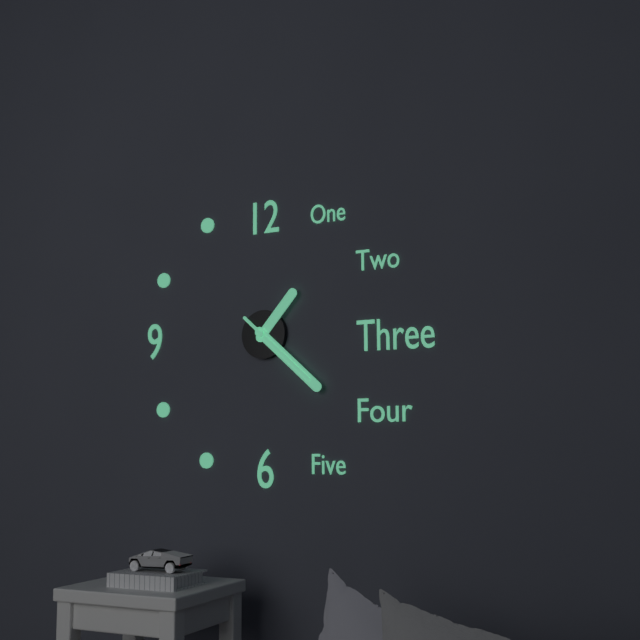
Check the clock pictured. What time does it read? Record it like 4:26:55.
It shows 1:22:22
